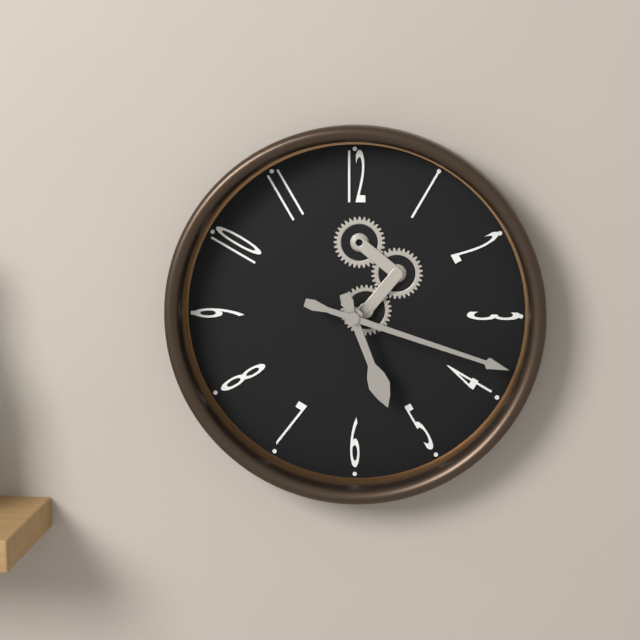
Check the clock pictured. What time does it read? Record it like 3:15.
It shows 5:18
